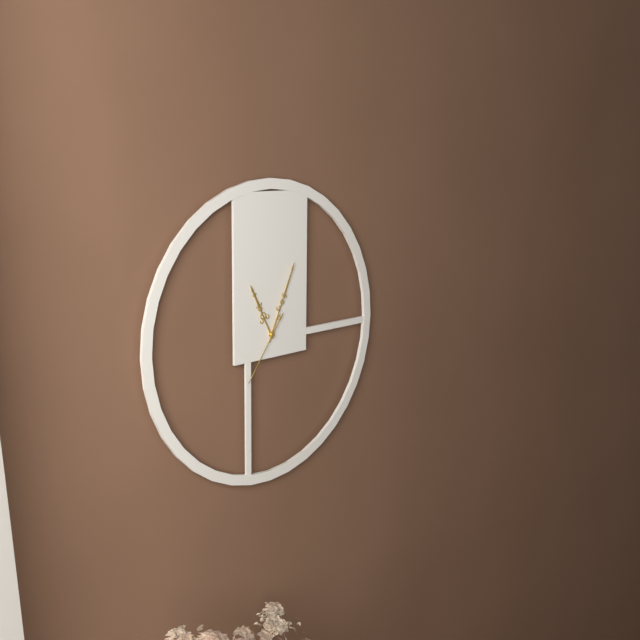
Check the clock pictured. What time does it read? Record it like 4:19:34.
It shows 11:04:36
